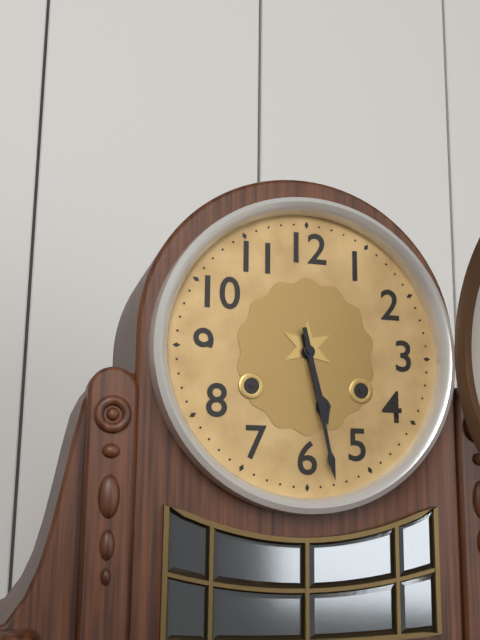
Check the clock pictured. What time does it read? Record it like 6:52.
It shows 5:28
